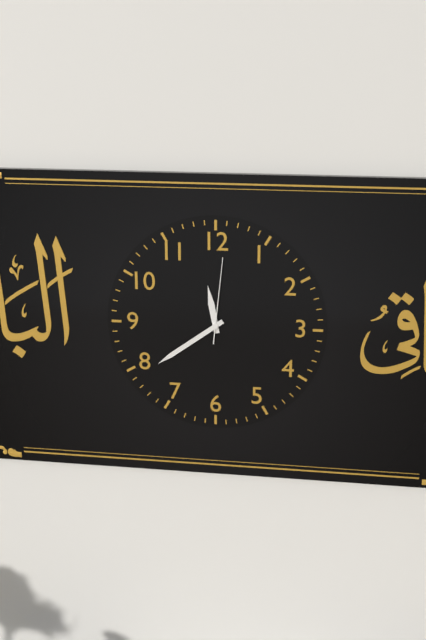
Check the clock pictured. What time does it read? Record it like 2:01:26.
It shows 11:39:01
